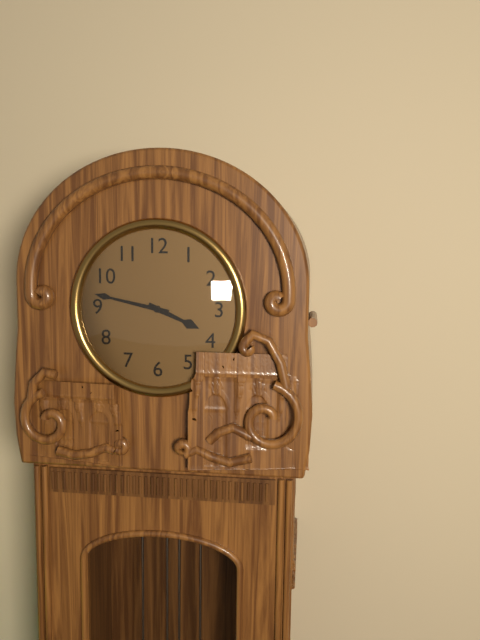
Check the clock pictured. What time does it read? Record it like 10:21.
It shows 3:47
